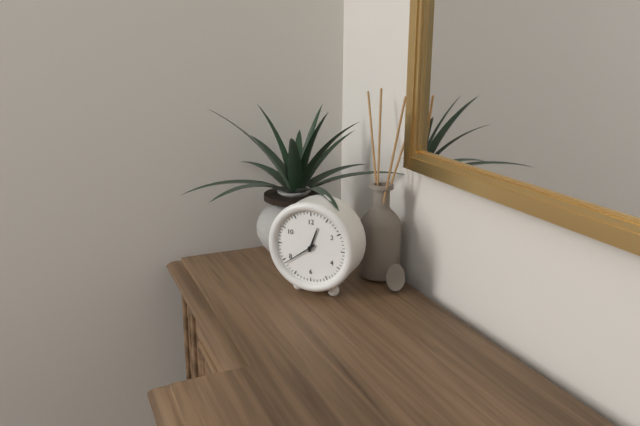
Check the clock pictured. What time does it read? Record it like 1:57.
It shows 12:39
